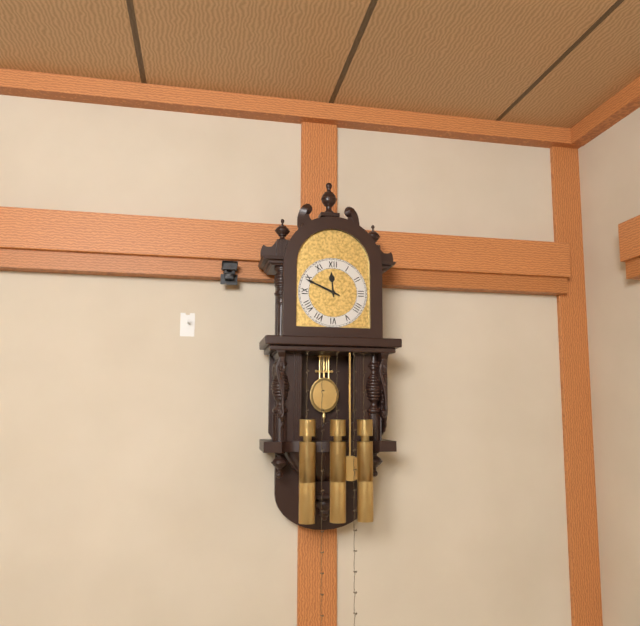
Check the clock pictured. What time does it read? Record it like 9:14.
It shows 11:49
